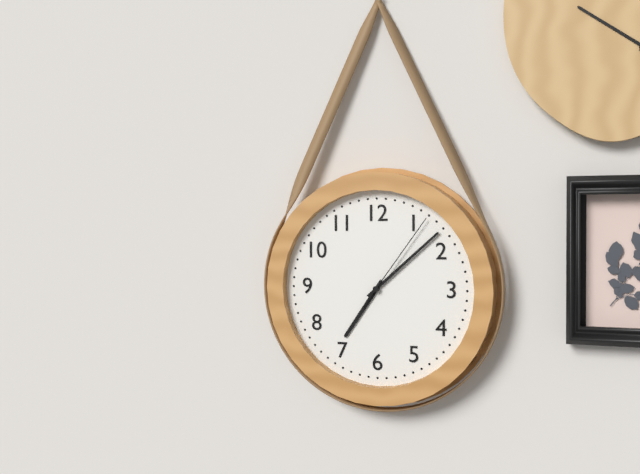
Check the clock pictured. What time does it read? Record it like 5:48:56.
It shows 7:08:06
